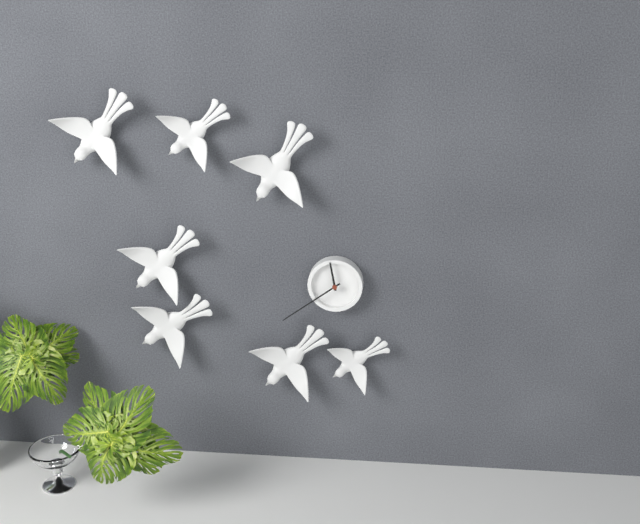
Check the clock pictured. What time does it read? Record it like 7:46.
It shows 11:39
